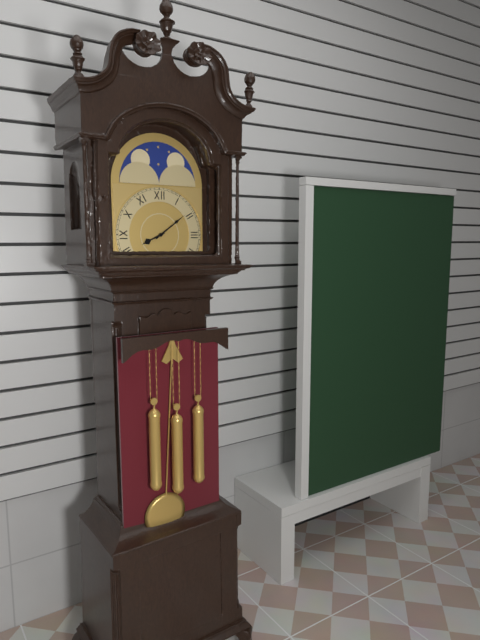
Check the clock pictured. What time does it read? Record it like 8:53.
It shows 8:09
